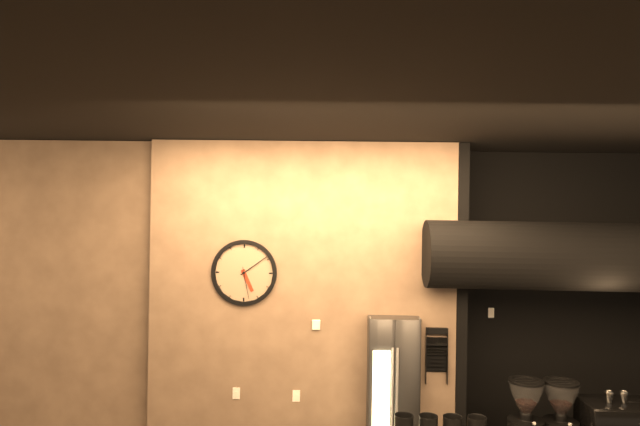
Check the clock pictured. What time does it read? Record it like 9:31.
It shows 5:09
